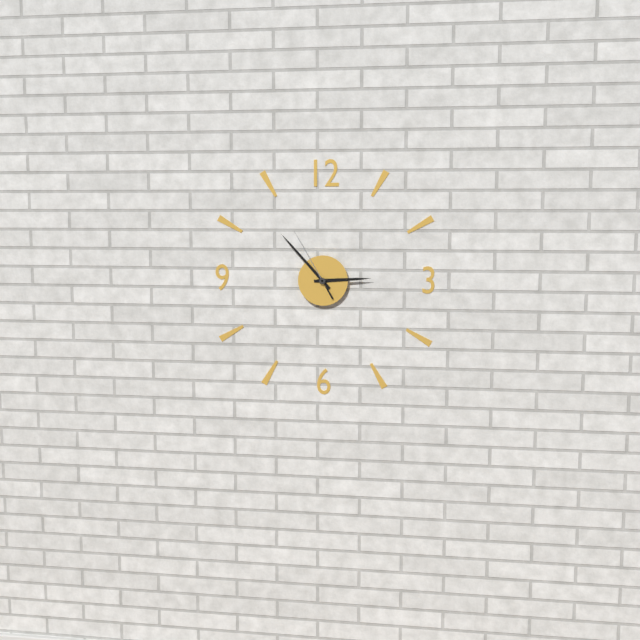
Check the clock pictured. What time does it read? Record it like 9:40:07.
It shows 2:53:55
